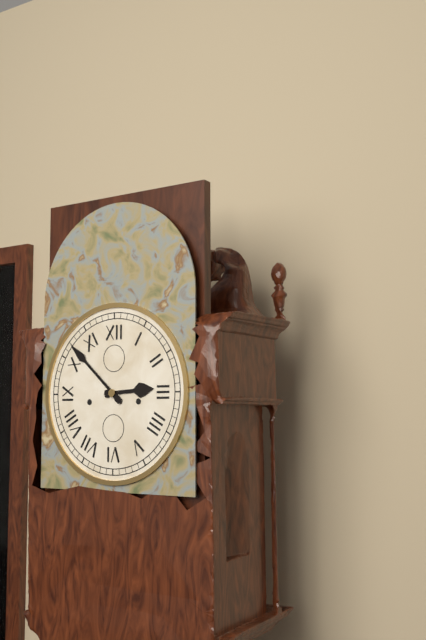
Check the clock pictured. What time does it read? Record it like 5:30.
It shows 2:52
